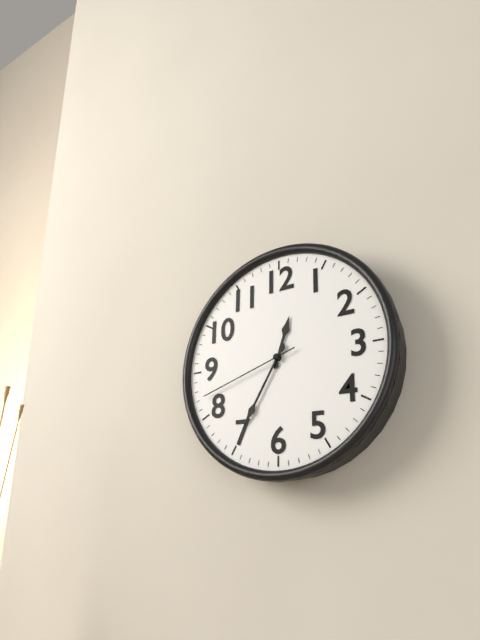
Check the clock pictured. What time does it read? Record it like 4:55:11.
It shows 12:35:42
